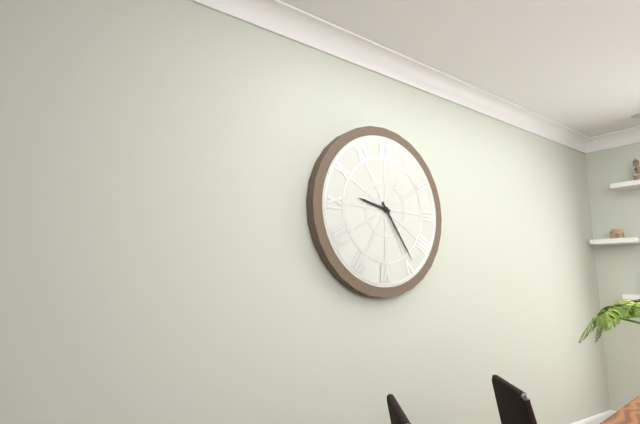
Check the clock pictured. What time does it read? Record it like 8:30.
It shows 9:24
